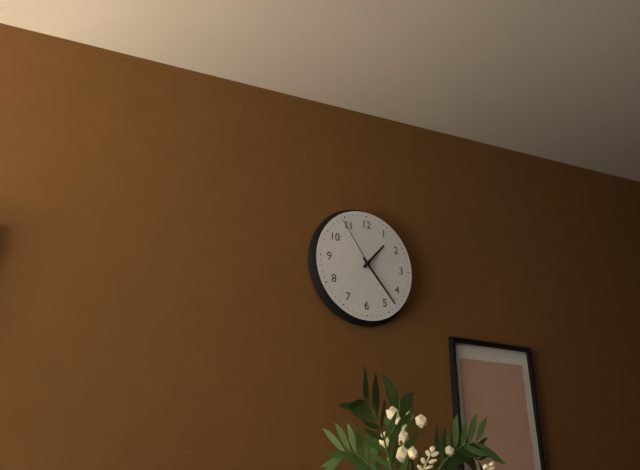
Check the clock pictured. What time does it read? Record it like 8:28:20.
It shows 1:23:54
